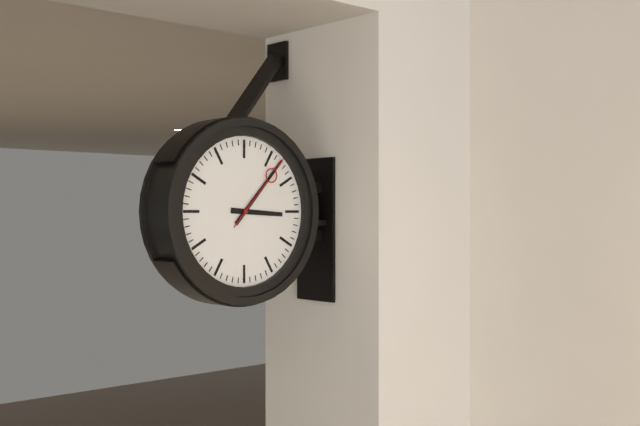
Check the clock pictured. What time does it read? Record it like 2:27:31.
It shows 3:07:07
